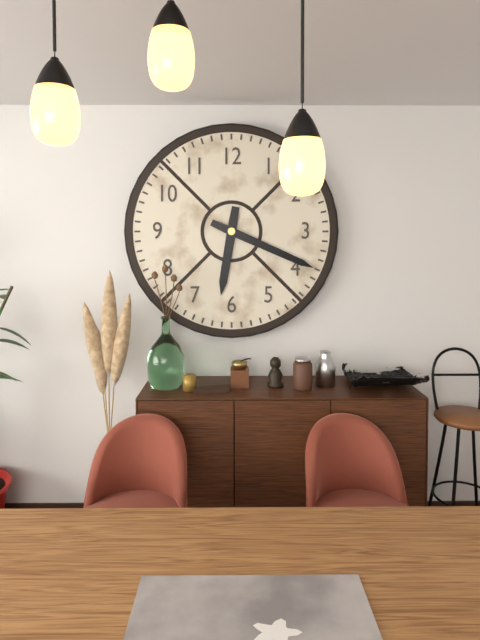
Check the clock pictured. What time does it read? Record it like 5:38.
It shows 6:19
